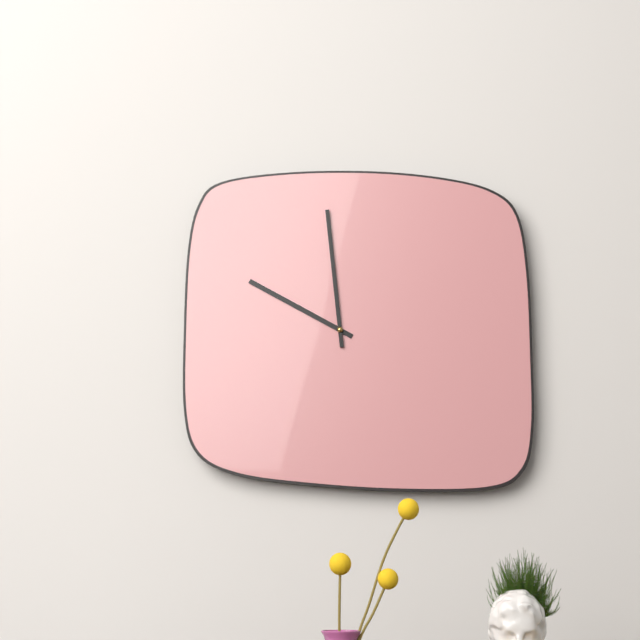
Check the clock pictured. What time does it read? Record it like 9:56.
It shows 9:59
